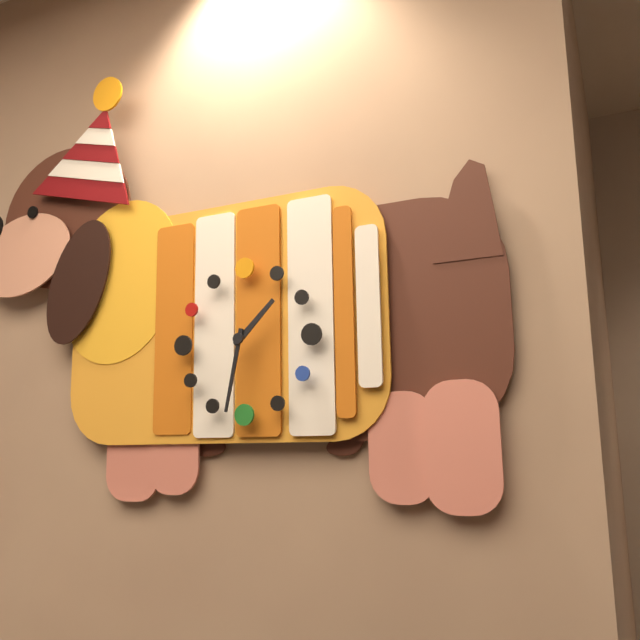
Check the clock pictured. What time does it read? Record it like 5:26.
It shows 1:32
